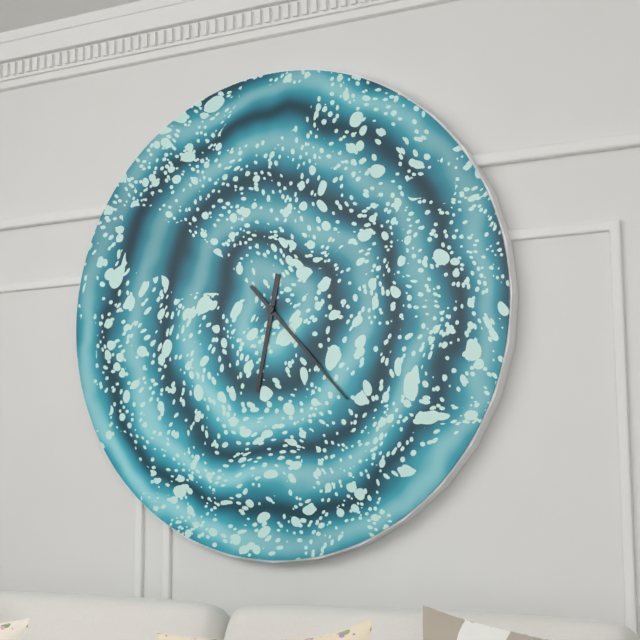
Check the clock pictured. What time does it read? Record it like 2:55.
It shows 6:23
